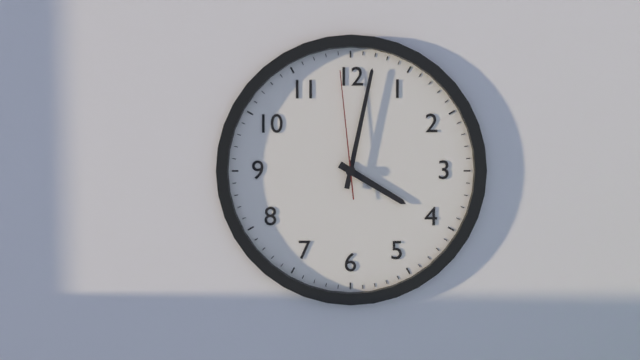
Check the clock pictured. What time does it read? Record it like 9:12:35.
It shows 4:02:59
